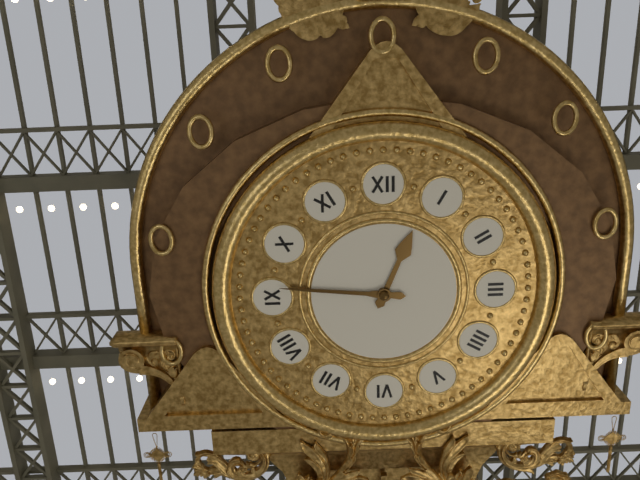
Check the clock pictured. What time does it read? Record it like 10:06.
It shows 12:46
